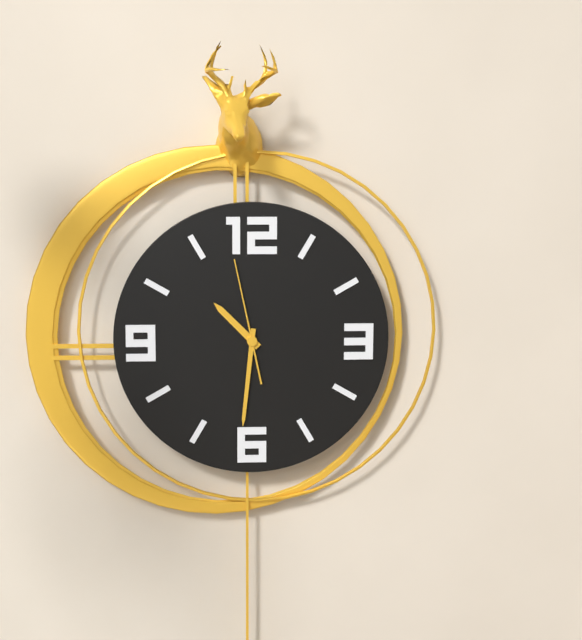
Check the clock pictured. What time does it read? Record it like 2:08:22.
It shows 10:31:58
